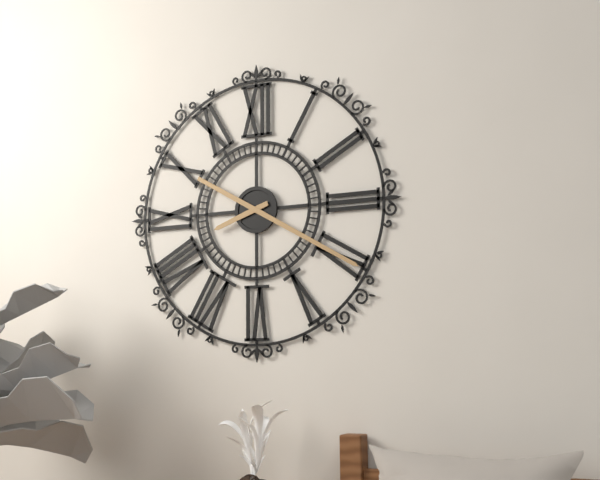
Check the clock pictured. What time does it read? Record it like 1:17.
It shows 8:20
